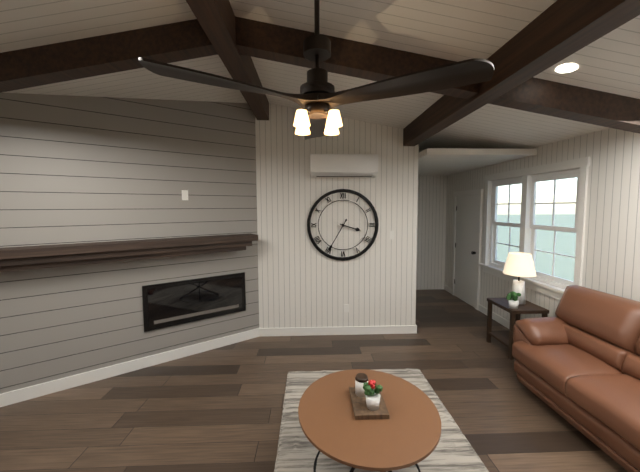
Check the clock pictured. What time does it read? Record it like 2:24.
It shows 3:35
